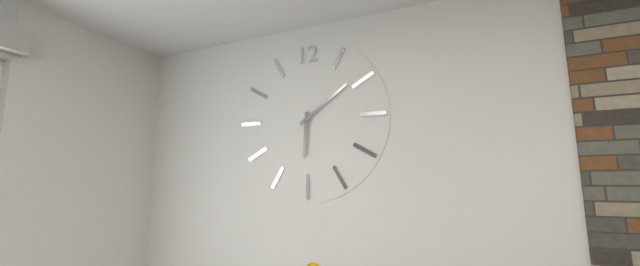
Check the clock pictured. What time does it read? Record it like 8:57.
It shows 6:09
